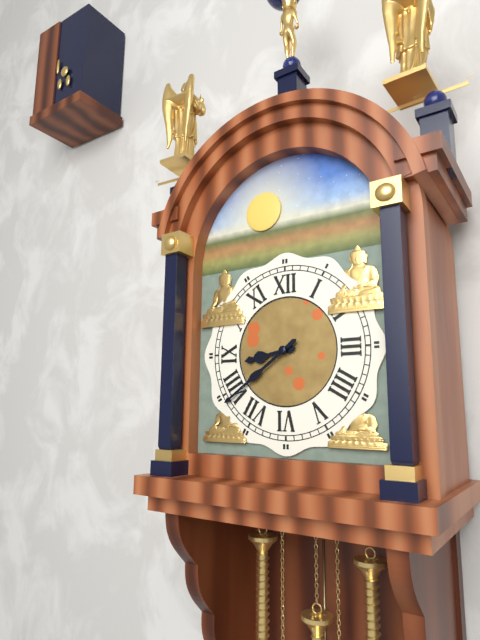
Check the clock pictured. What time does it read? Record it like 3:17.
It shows 8:39
